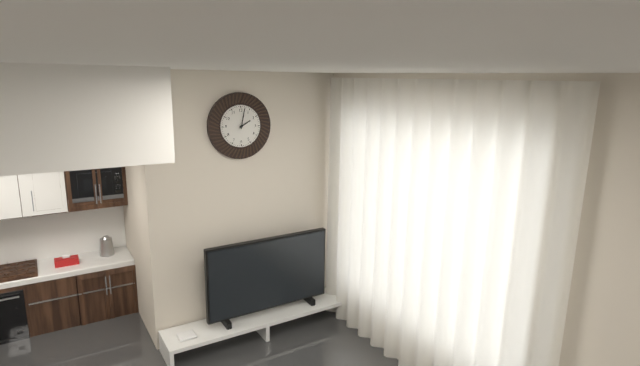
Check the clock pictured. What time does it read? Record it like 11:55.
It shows 2:02
